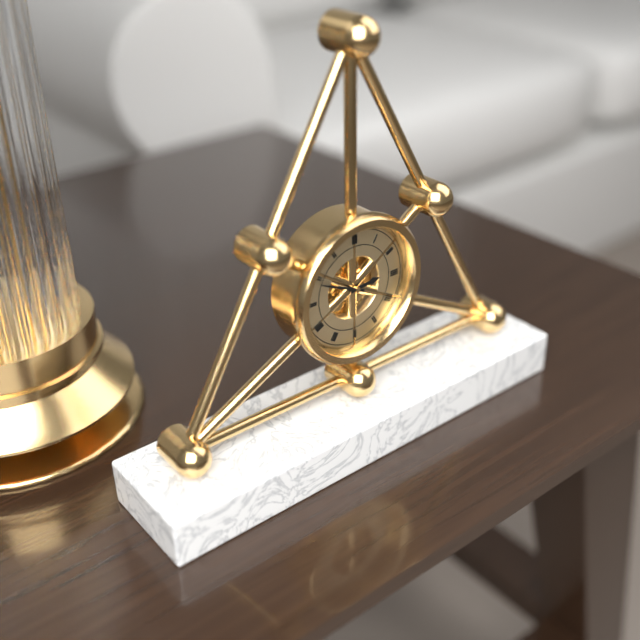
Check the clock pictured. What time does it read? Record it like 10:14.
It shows 2:49
